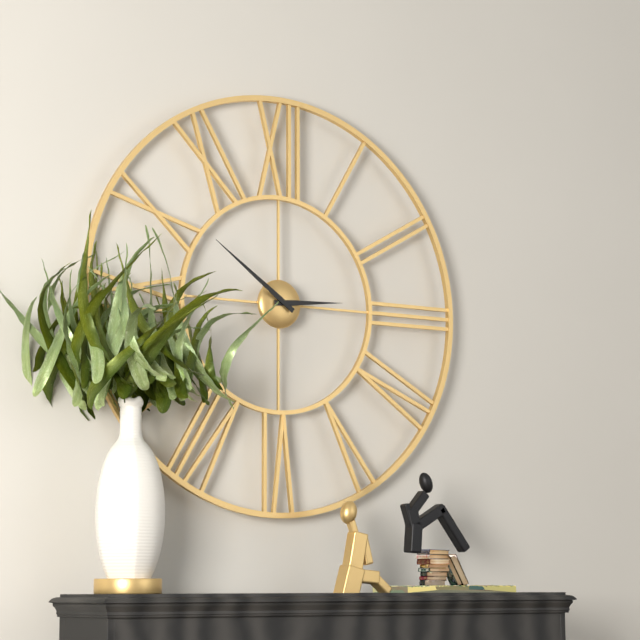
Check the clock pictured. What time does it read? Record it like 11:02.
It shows 2:51
